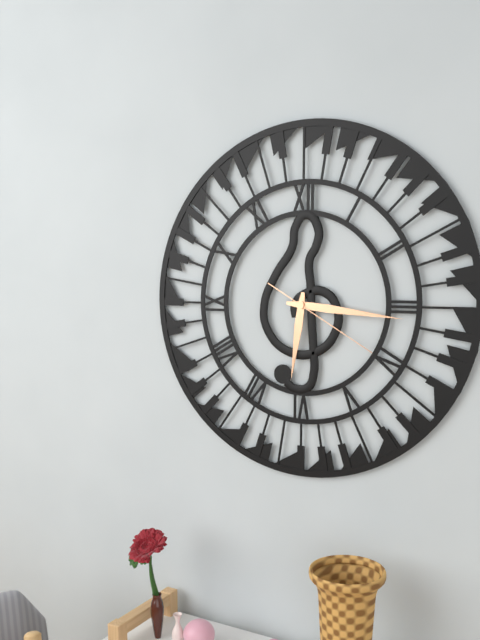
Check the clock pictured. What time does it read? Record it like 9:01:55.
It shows 6:16:20
